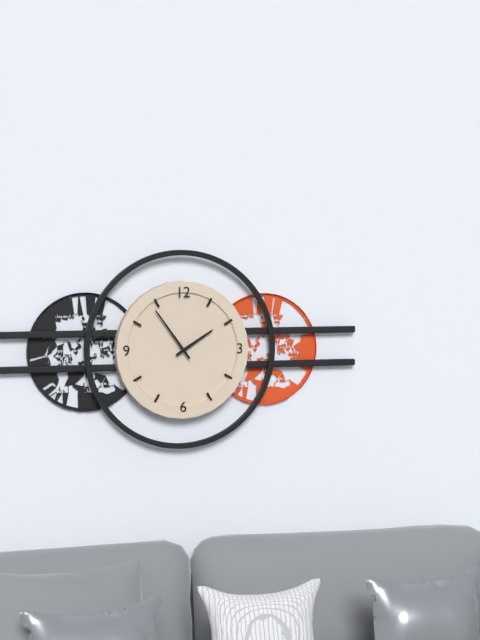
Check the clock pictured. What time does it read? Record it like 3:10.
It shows 1:54
